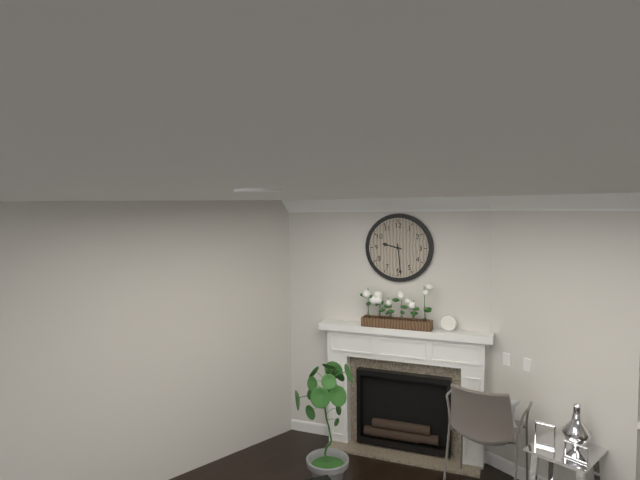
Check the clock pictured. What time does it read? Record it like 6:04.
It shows 9:29
